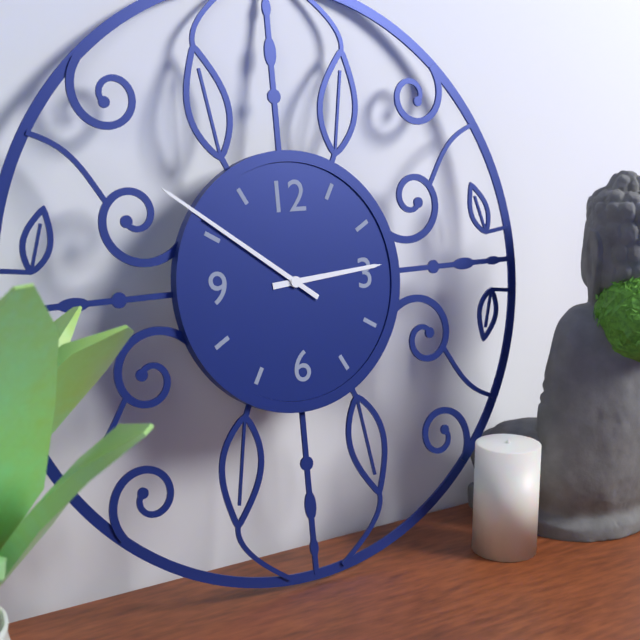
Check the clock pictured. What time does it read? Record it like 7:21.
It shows 2:51
